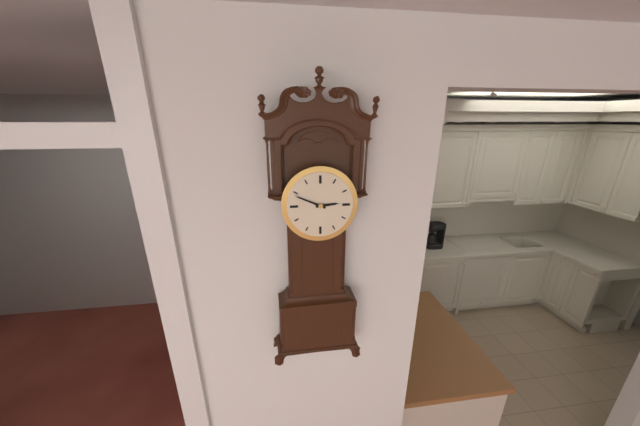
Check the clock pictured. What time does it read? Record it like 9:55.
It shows 2:49
